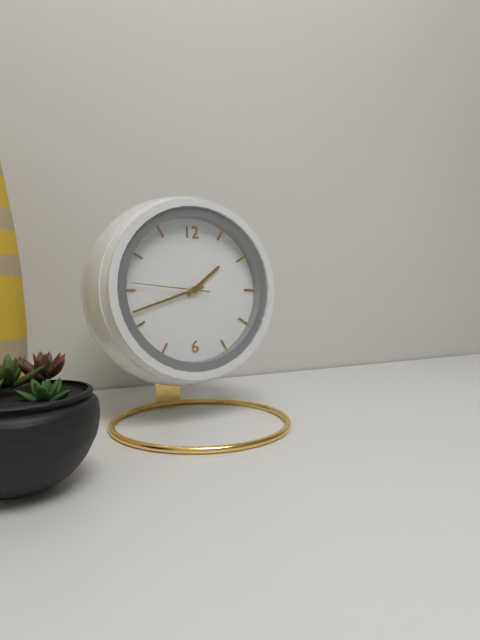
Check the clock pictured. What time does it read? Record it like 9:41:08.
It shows 1:42:46
